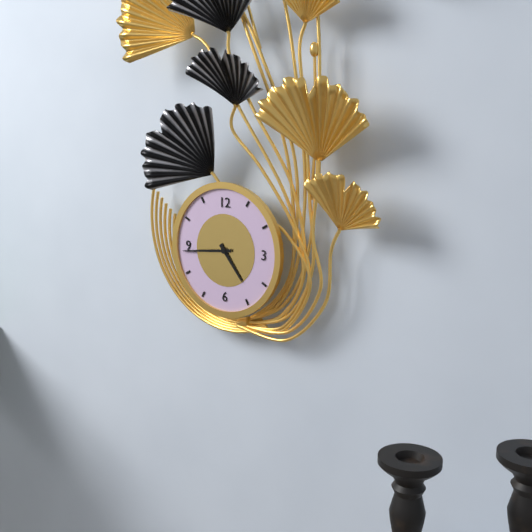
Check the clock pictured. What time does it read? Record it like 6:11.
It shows 4:44
